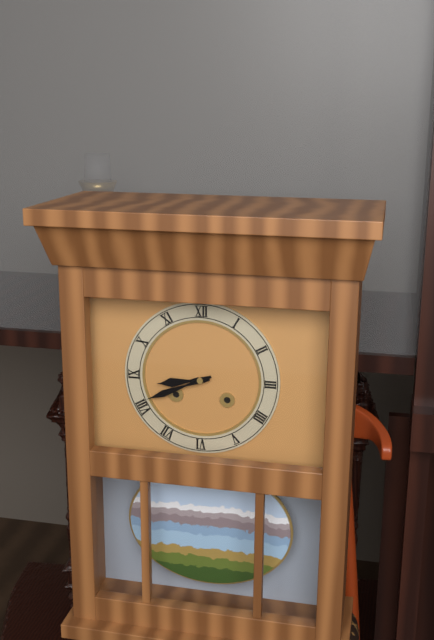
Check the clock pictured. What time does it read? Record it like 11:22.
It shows 8:41
